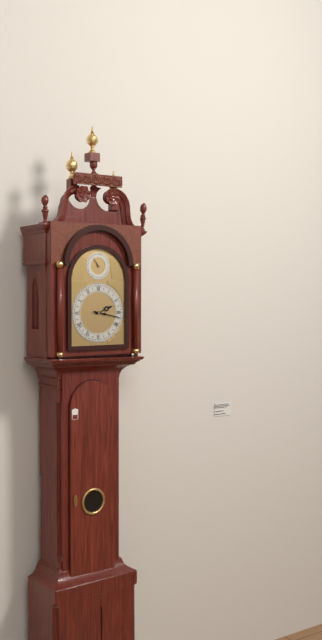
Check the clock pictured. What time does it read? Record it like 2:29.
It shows 2:17
